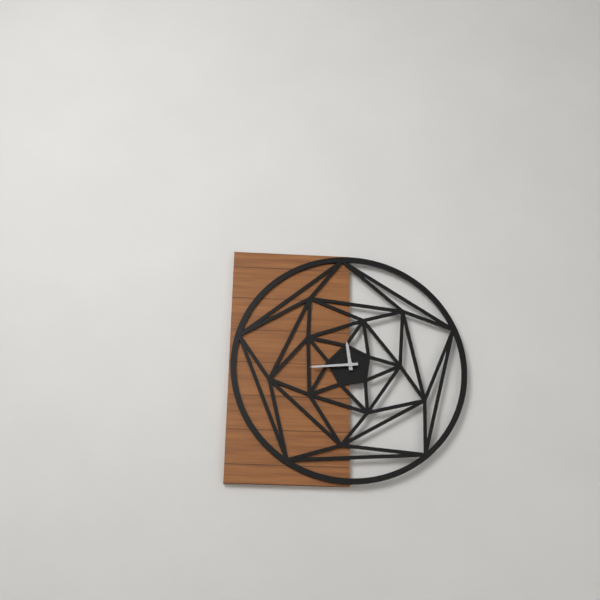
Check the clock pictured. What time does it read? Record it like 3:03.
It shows 11:44
